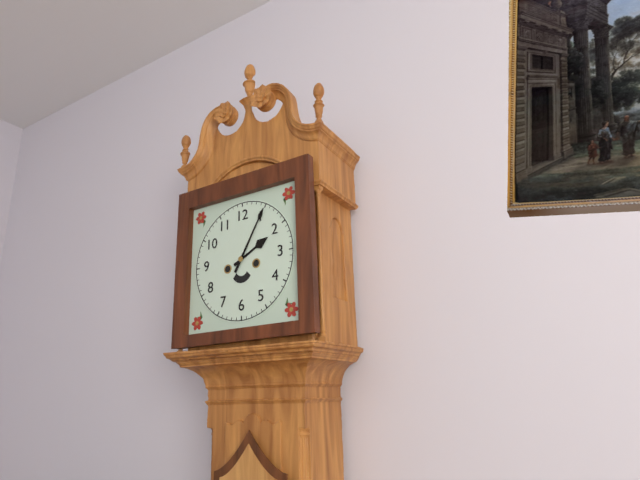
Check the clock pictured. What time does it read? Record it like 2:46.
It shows 2:05
